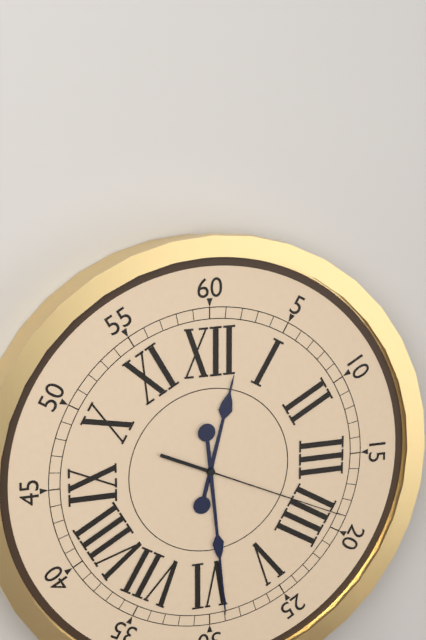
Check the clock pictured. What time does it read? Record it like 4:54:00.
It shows 12:29:19
